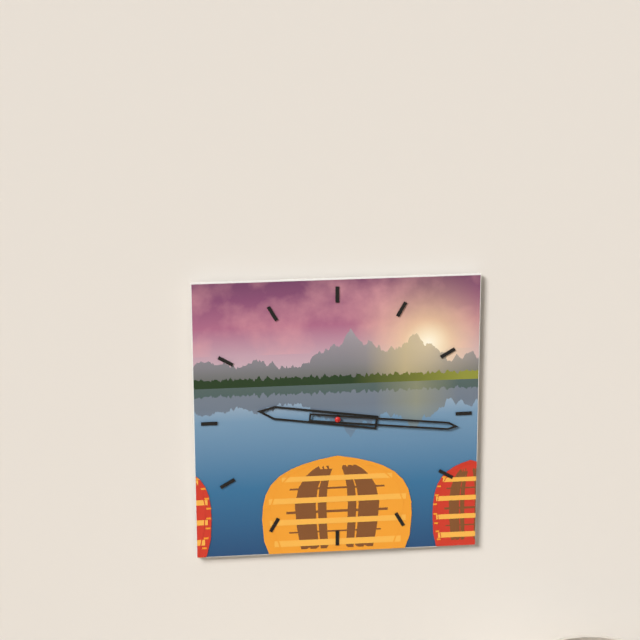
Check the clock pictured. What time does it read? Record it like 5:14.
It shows 9:16
